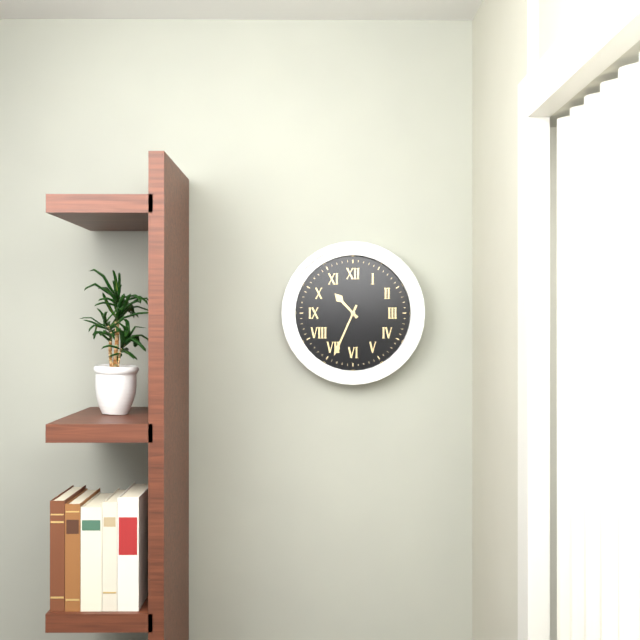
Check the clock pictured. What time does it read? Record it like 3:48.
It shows 10:34
